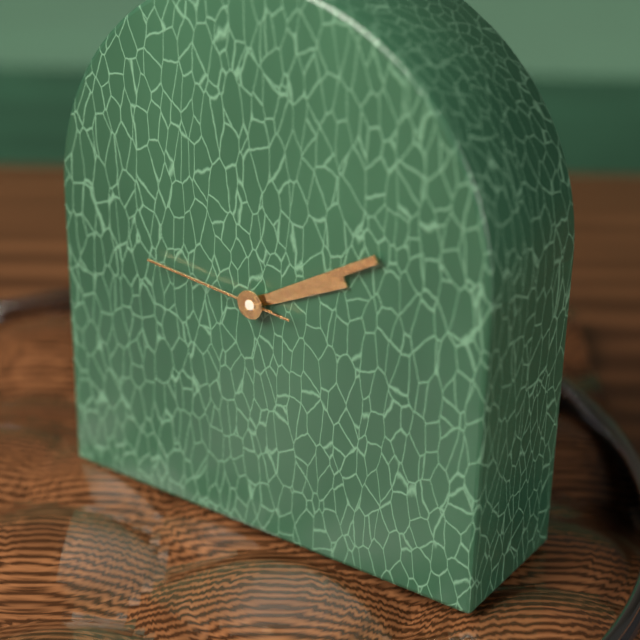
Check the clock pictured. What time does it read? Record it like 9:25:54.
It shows 2:10:46
